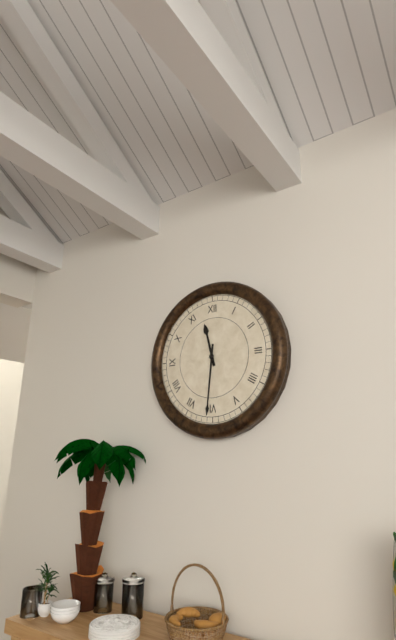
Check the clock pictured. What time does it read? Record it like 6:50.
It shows 11:31
